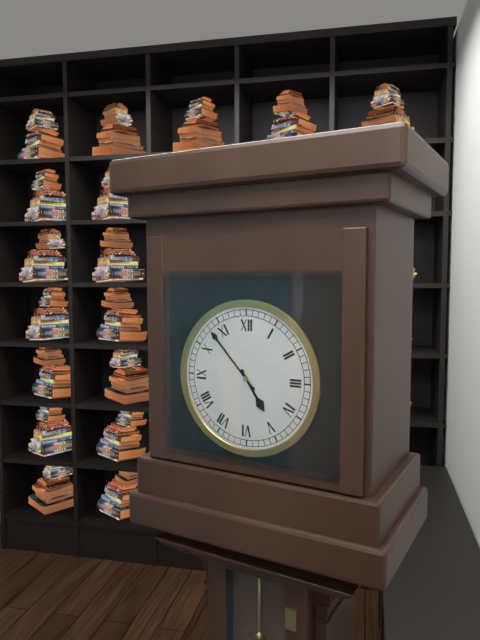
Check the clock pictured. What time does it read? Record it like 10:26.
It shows 4:53
